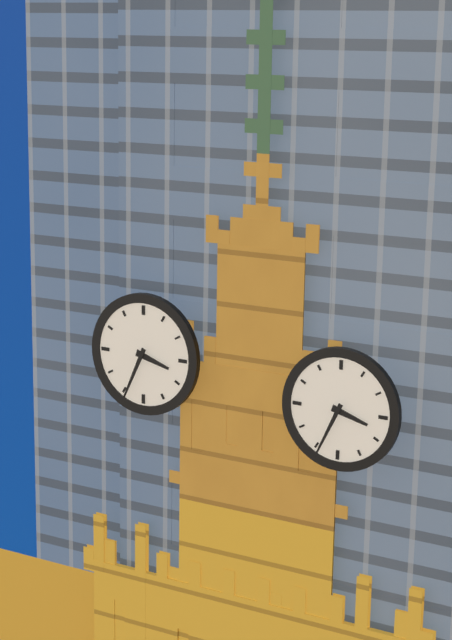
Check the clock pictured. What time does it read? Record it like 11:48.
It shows 3:34
